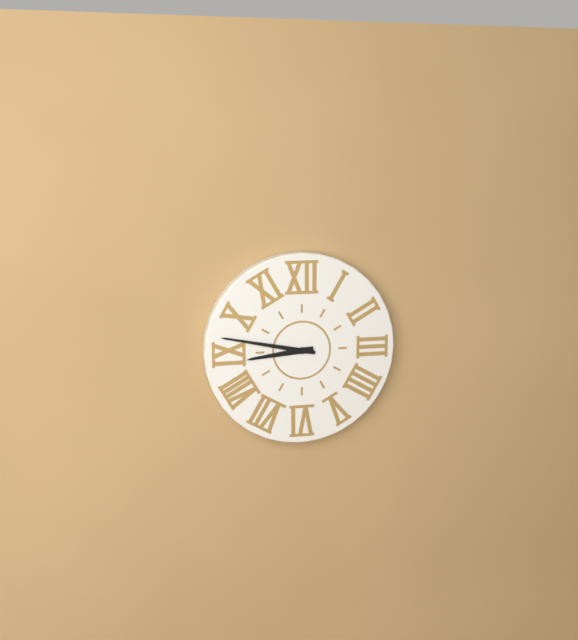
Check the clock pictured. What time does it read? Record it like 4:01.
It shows 8:47
